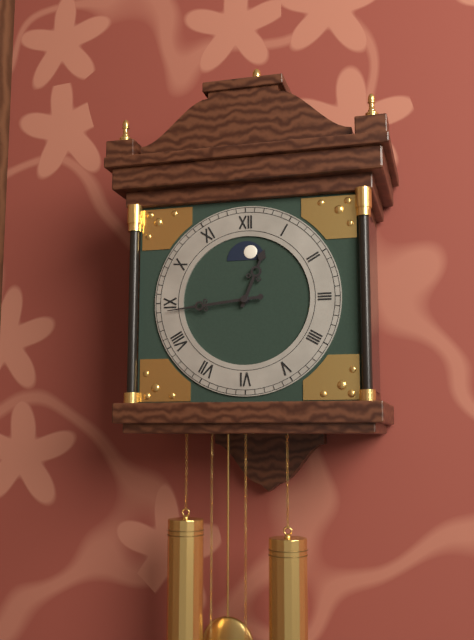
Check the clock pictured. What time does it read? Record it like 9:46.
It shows 12:44
